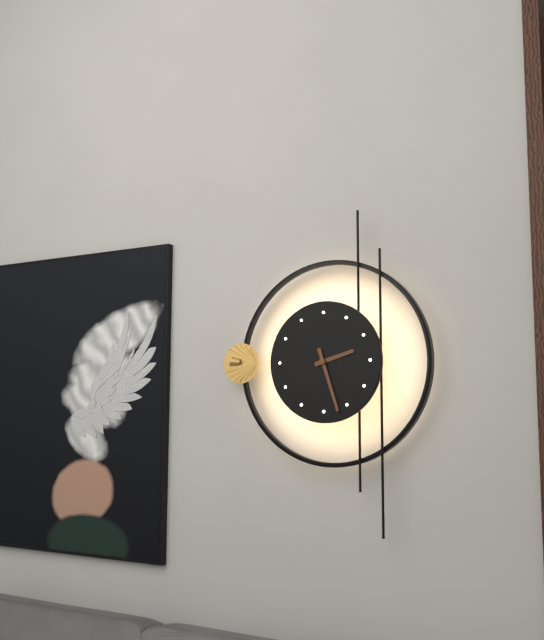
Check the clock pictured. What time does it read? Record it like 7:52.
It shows 2:27
